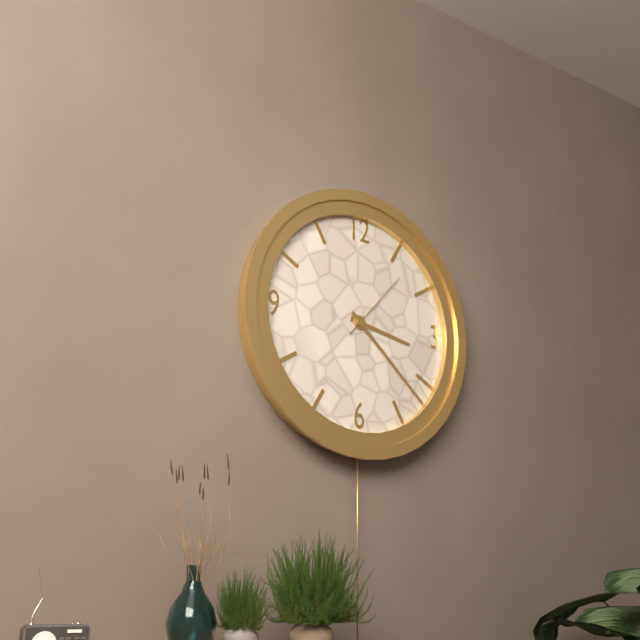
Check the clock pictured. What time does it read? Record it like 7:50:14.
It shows 3:22:07
